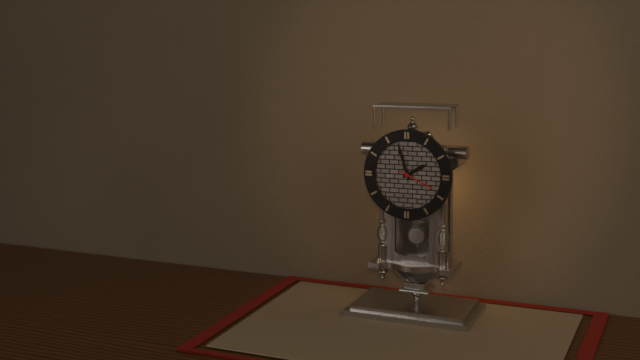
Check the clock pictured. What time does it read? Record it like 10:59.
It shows 1:57
